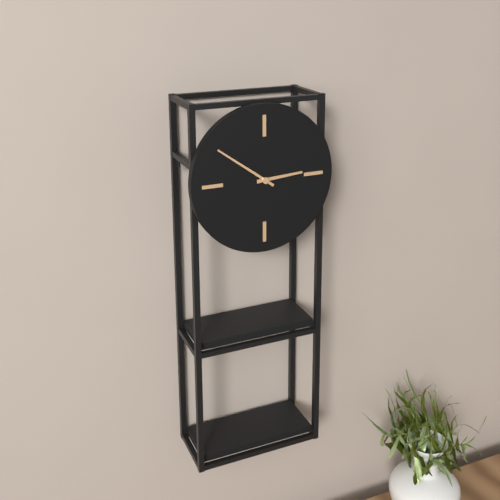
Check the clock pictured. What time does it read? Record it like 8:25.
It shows 2:51
